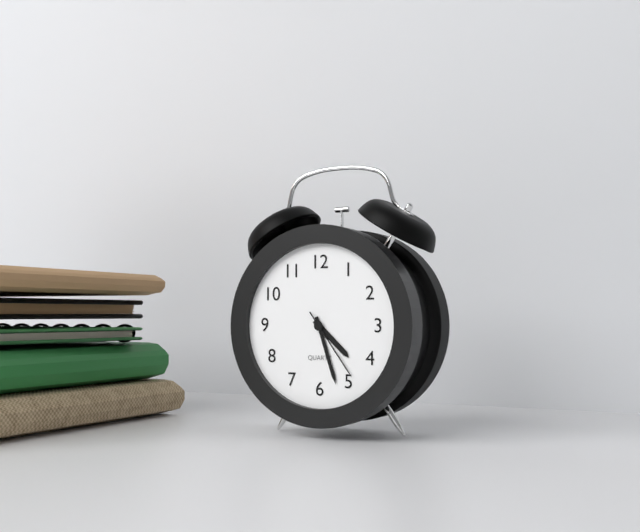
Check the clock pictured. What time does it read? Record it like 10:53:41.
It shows 4:27:24
